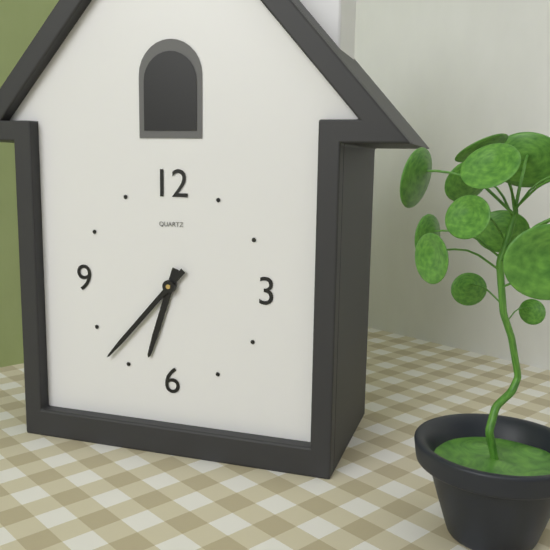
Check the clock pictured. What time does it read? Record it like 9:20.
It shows 6:37
